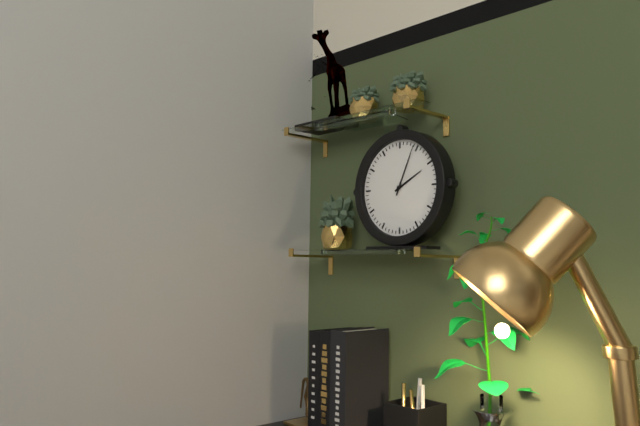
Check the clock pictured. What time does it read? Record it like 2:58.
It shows 2:04
